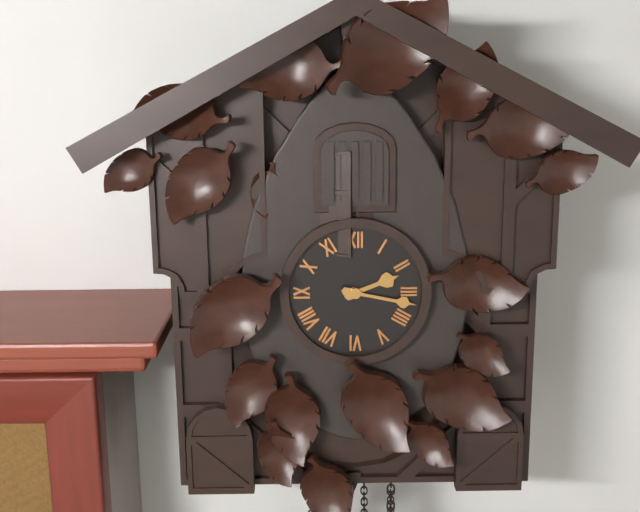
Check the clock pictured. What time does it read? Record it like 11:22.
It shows 2:17
